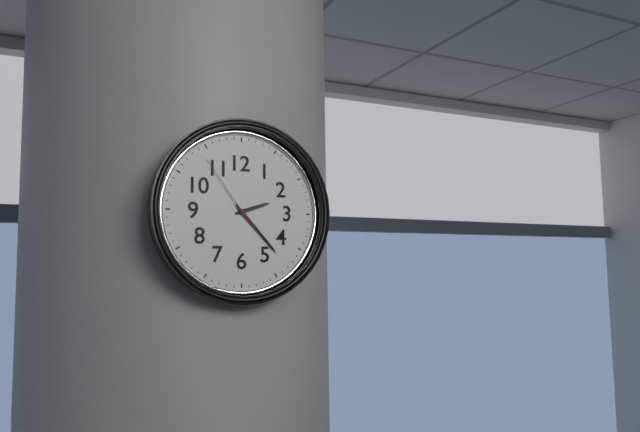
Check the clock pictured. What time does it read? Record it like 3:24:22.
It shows 2:23:54
